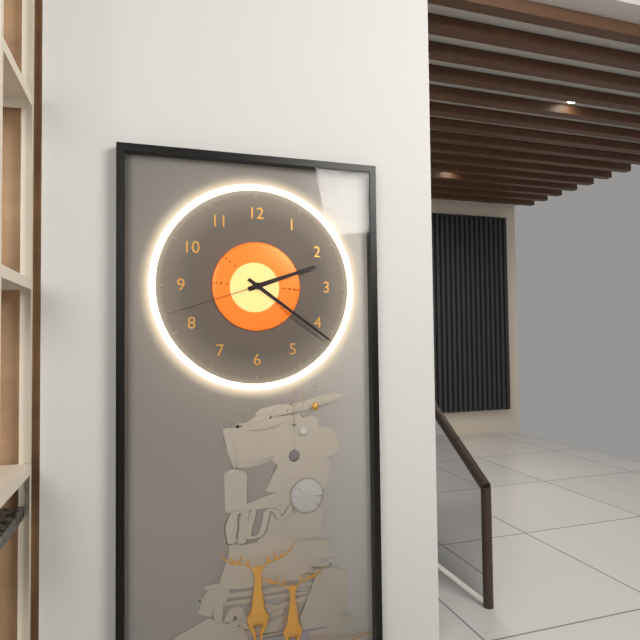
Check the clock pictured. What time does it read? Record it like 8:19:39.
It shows 2:21:42
